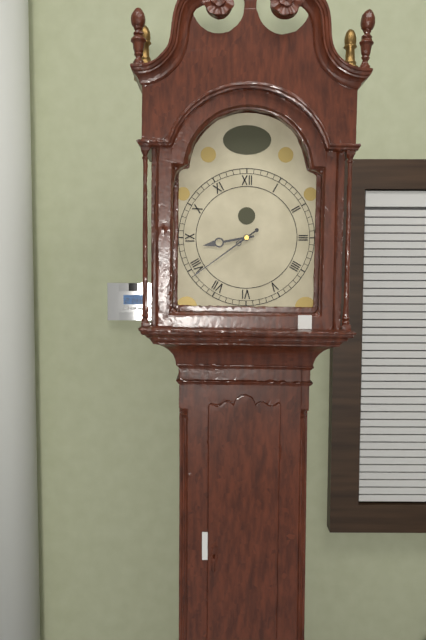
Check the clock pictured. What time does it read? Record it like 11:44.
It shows 8:39
